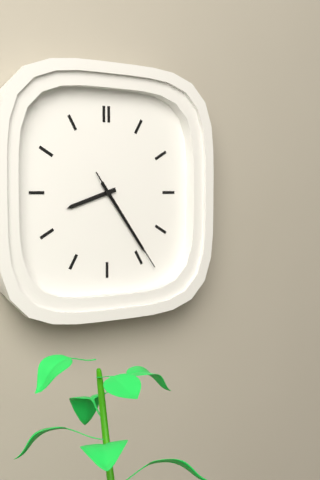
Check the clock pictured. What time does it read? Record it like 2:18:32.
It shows 8:24:24
